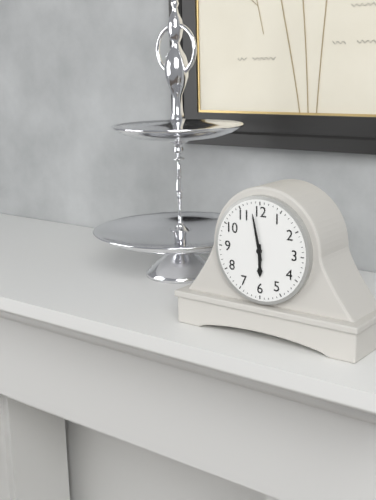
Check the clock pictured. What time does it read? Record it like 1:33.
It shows 5:58
